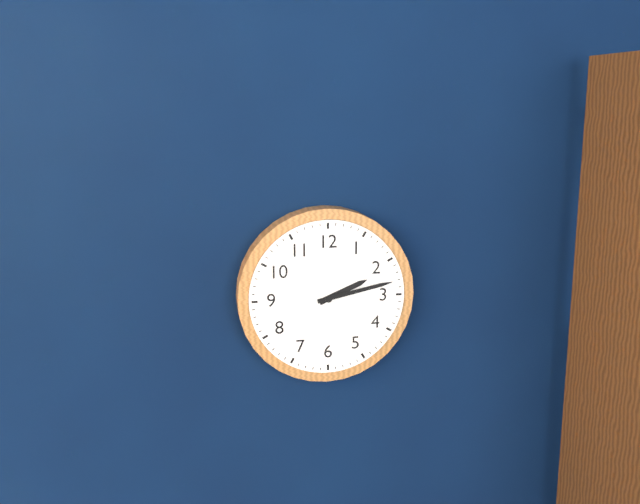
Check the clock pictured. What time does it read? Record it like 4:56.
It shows 2:13
